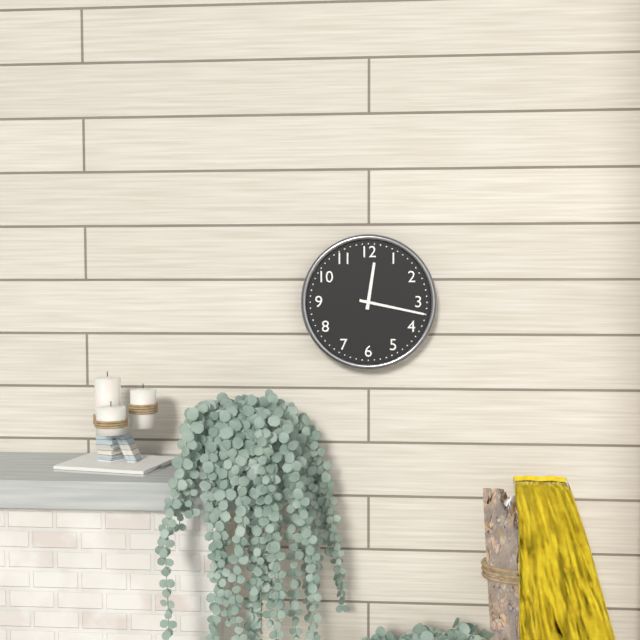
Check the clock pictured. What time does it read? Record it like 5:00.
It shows 12:17
